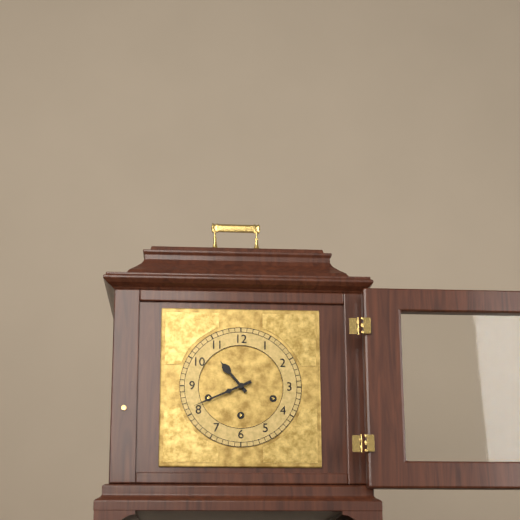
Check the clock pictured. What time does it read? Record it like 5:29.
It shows 10:41
